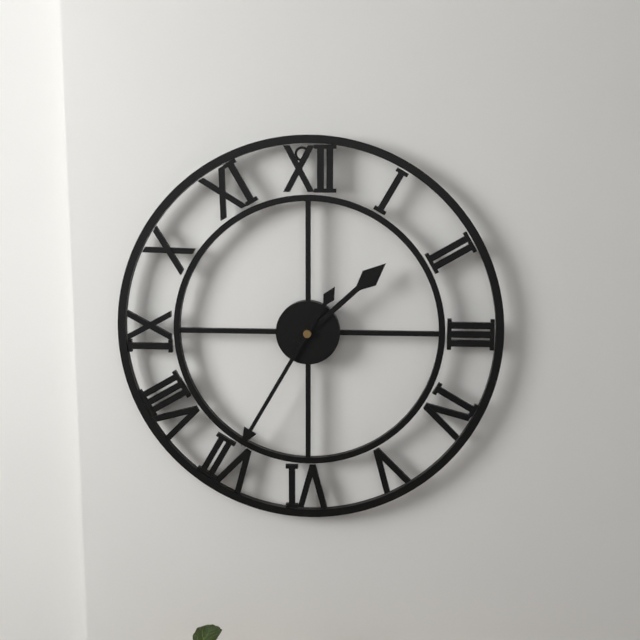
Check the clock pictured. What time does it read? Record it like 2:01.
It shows 1:35
